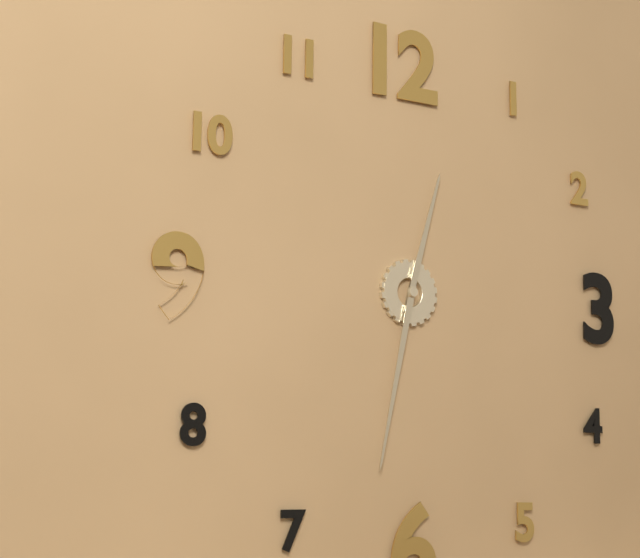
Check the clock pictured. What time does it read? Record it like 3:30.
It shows 12:32
